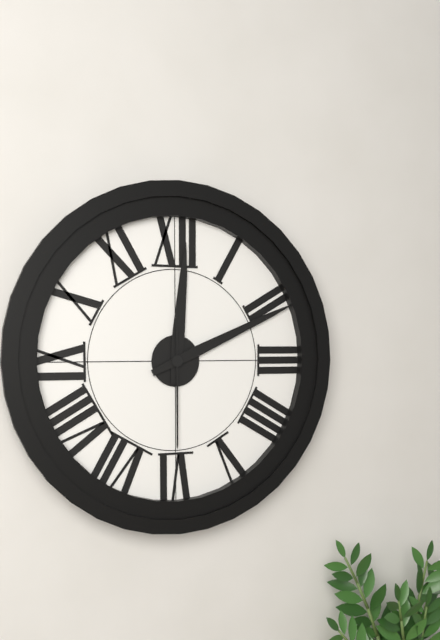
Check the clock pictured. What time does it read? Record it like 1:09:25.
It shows 12:11:30
